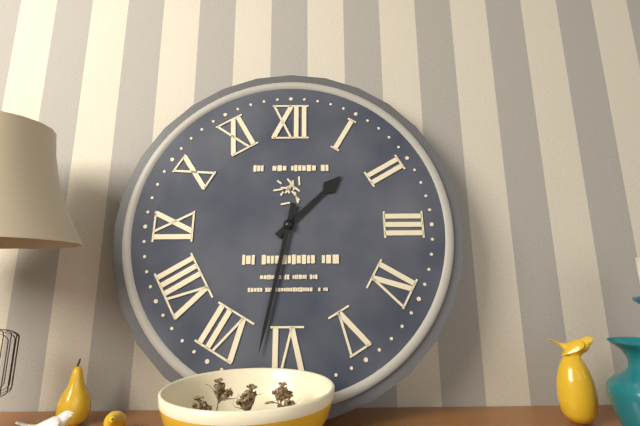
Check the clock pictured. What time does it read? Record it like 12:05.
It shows 1:32
